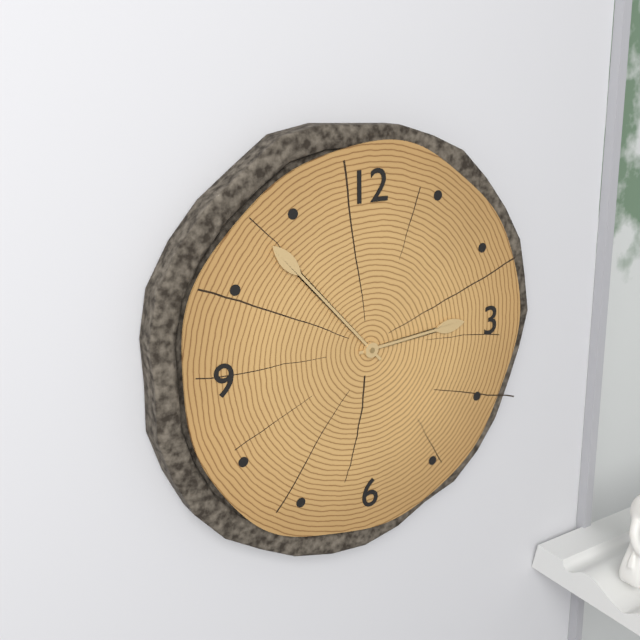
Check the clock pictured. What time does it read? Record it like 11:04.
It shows 2:53
